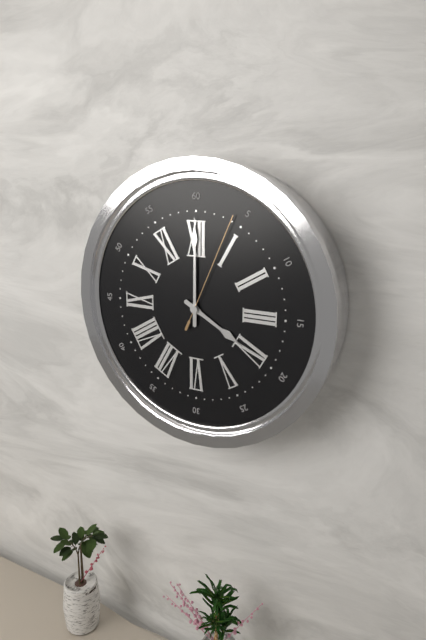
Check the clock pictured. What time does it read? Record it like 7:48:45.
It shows 4:00:04
